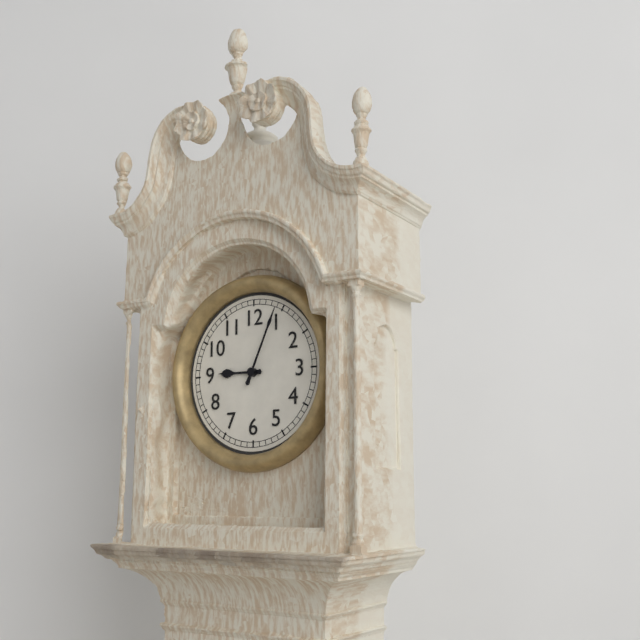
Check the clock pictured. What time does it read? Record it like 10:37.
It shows 9:04
